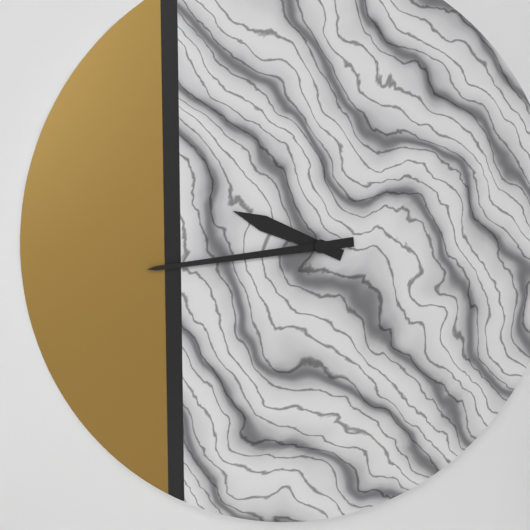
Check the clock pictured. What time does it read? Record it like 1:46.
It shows 9:44
